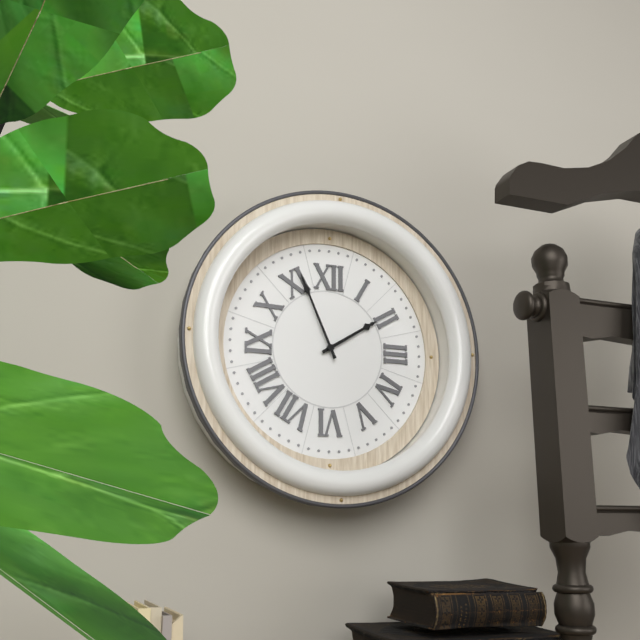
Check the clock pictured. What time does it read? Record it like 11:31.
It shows 1:56
